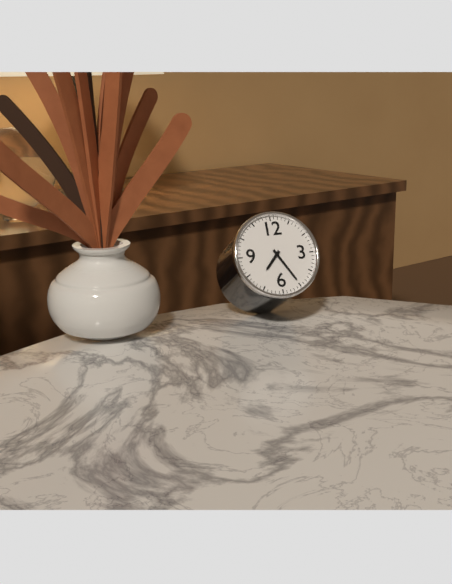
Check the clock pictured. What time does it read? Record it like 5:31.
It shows 7:25
